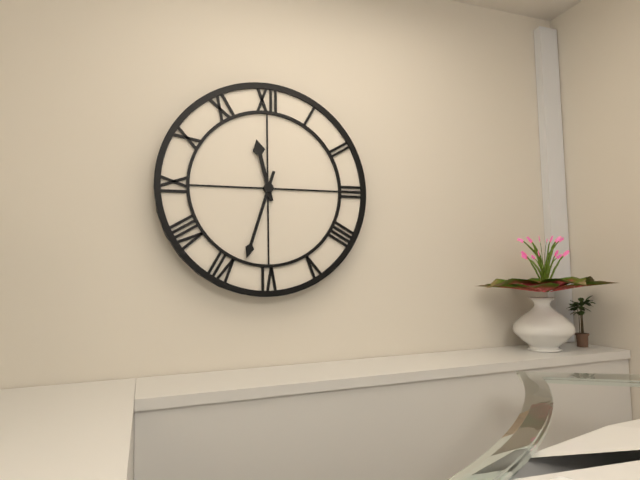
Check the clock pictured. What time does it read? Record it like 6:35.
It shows 11:33
